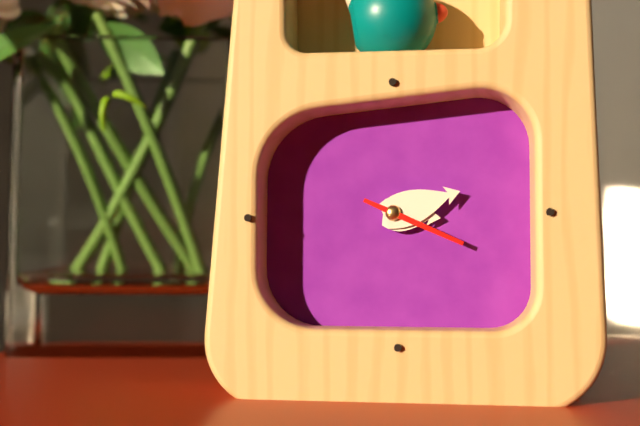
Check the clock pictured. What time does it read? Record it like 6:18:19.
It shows 3:12:19
